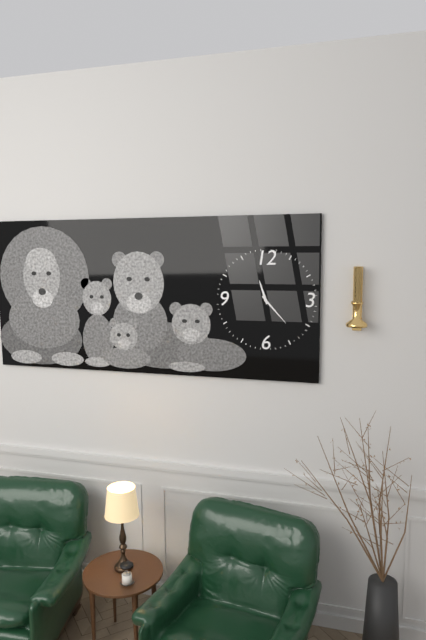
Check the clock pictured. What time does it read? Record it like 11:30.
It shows 11:23
